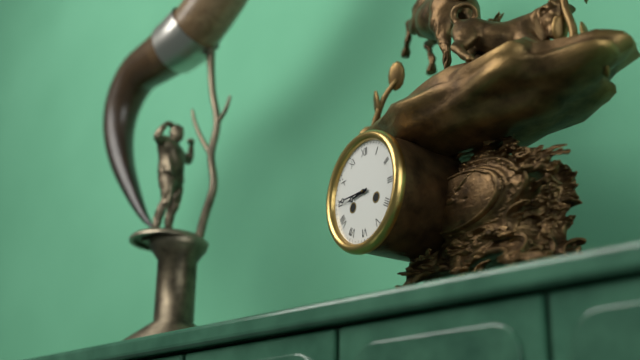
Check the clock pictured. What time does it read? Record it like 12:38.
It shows 8:45
